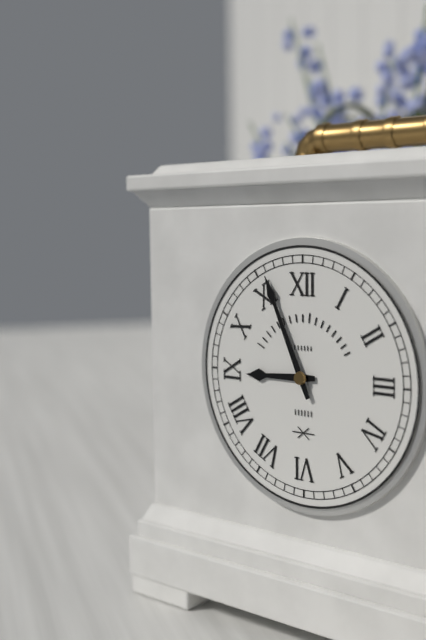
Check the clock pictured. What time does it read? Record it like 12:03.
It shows 8:56
